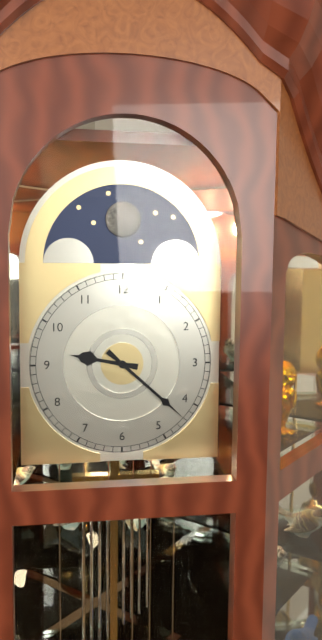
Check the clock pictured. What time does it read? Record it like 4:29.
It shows 9:22
